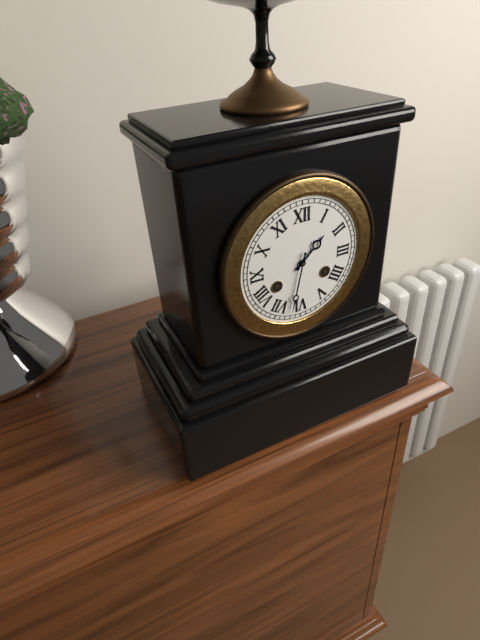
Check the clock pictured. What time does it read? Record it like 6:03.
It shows 1:32
